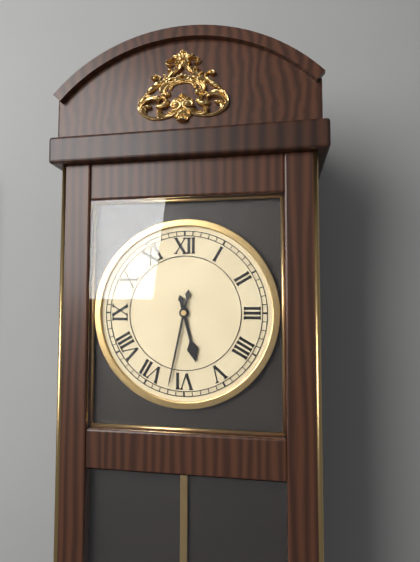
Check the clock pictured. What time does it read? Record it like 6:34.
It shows 5:32
